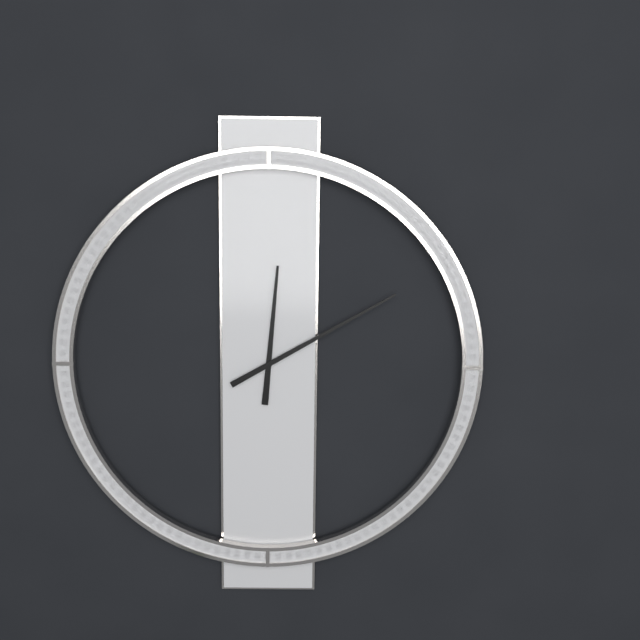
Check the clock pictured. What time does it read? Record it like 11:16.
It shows 12:10
